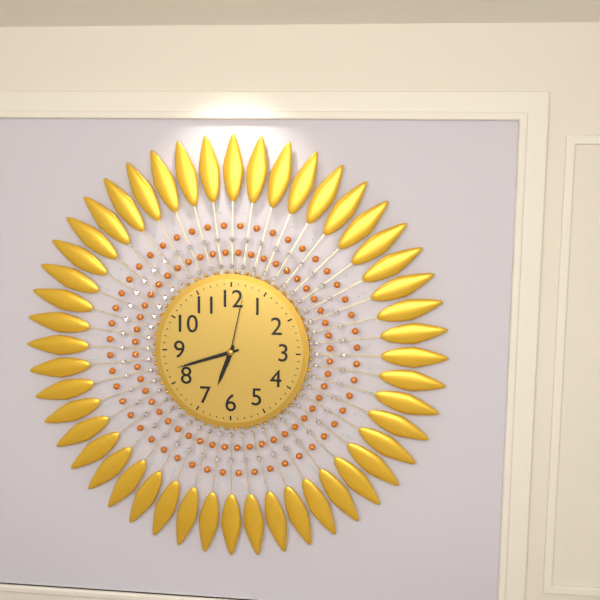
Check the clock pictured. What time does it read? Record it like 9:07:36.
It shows 6:42:02
